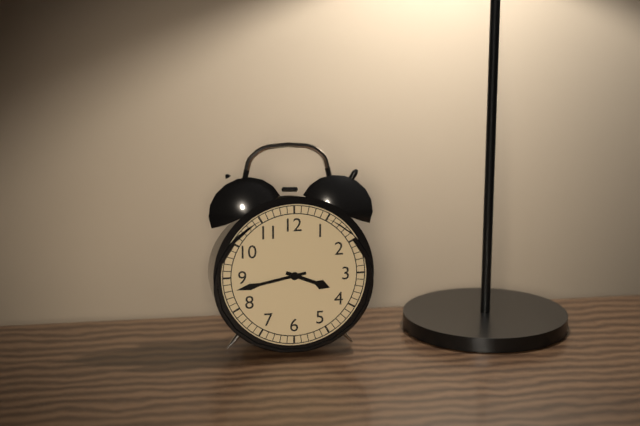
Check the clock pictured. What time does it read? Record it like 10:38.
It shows 3:43
